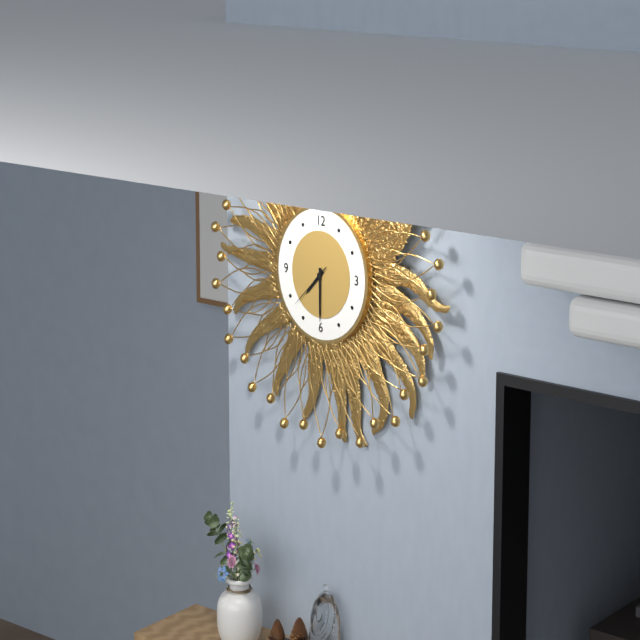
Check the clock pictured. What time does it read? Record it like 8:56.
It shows 7:30
